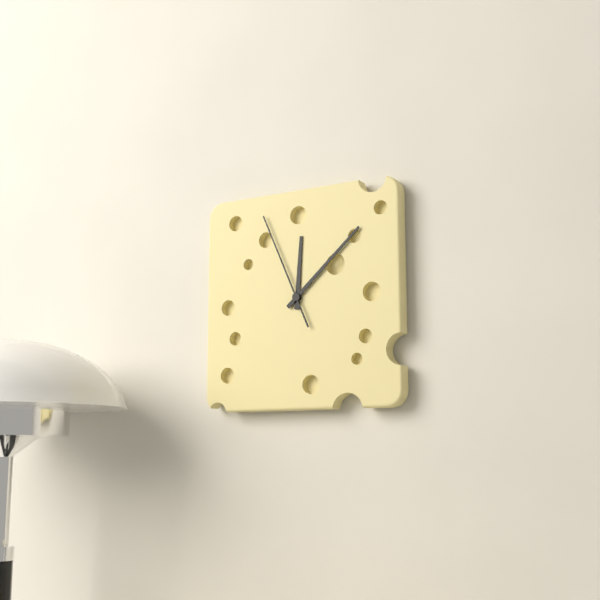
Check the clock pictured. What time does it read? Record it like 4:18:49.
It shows 12:08:56
